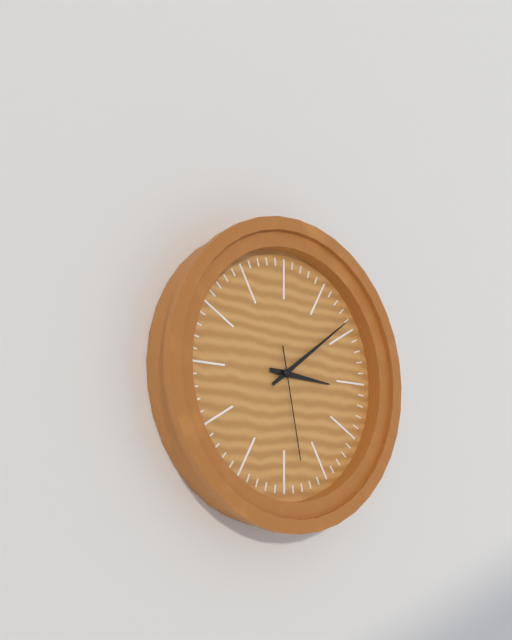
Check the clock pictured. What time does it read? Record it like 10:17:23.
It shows 3:09:28
